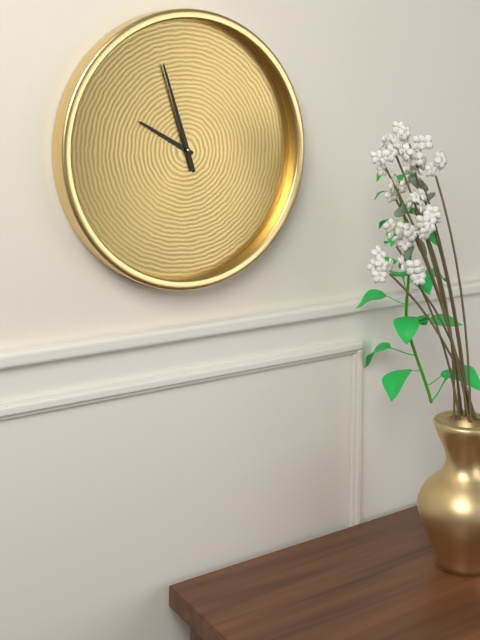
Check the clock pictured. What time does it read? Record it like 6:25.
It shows 9:57
